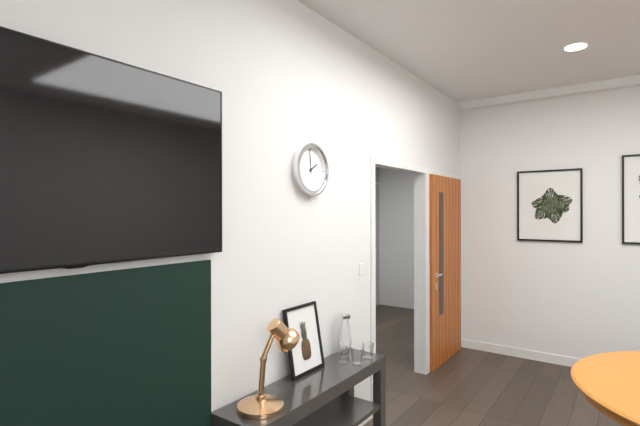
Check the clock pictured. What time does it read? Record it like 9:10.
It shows 1:59
